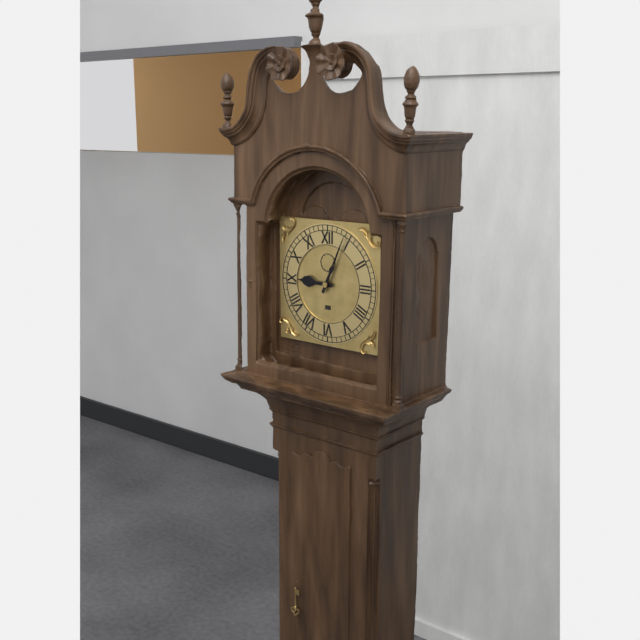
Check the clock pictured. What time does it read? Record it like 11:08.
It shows 9:04
